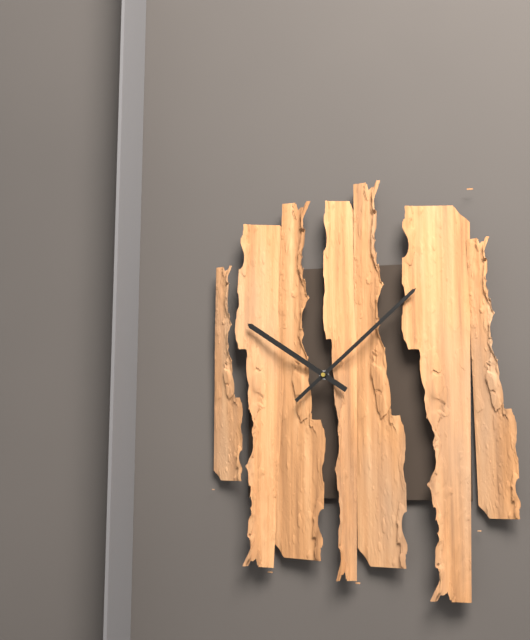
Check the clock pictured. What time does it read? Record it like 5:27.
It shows 10:08
